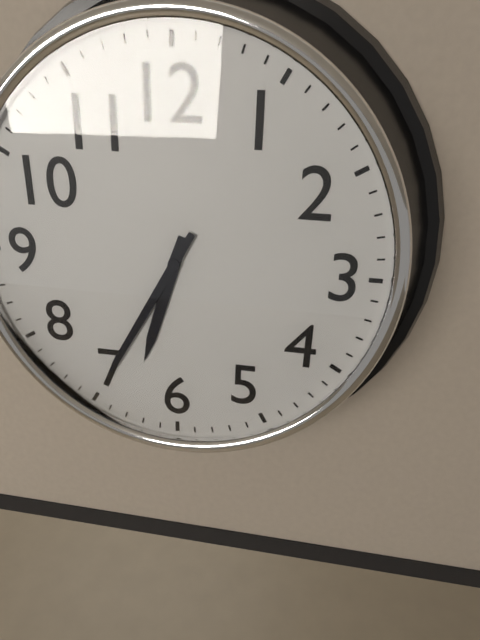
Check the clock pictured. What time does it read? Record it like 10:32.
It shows 6:35
